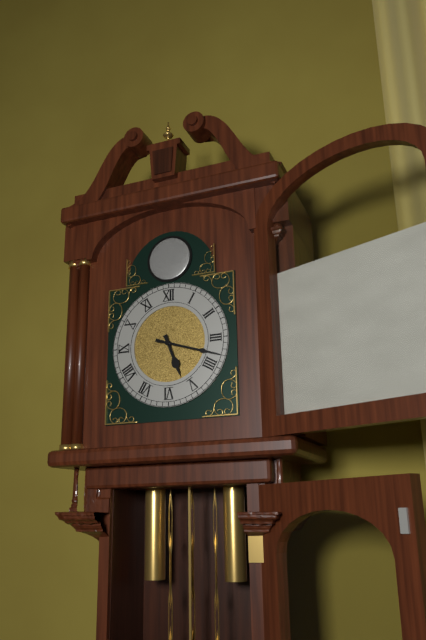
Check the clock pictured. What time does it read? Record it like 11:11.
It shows 5:18
